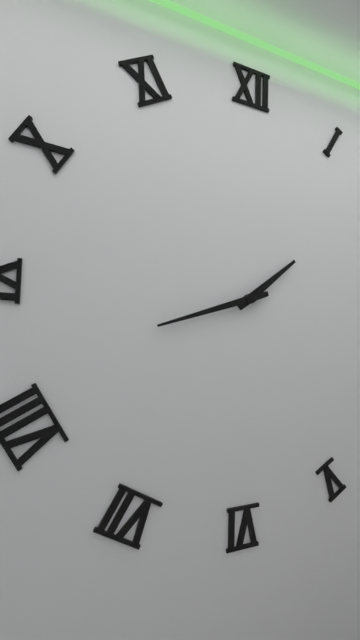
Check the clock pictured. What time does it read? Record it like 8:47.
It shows 1:42
